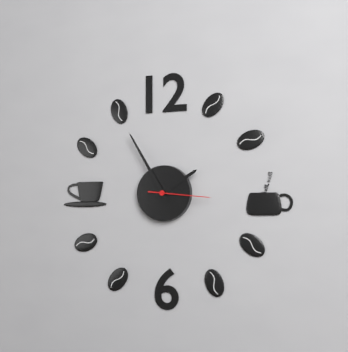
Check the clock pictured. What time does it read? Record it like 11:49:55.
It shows 1:55:16
